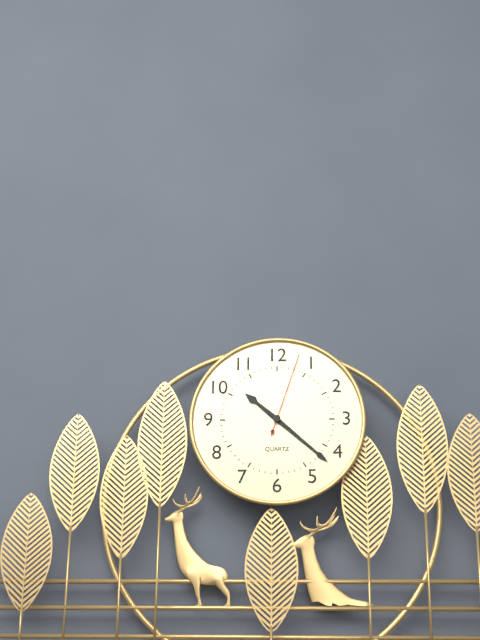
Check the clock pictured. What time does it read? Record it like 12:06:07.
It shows 10:22:03
